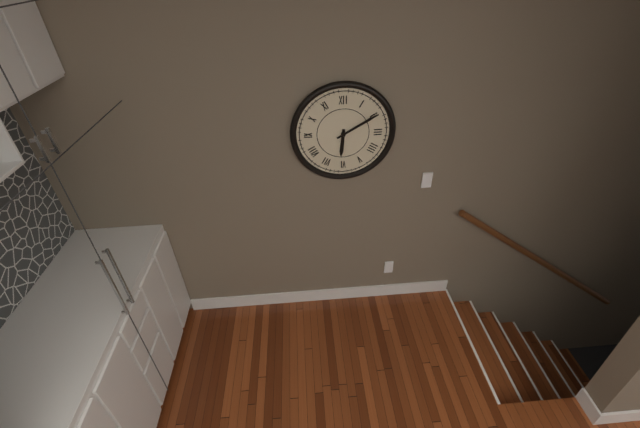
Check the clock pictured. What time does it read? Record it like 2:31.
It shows 6:10
